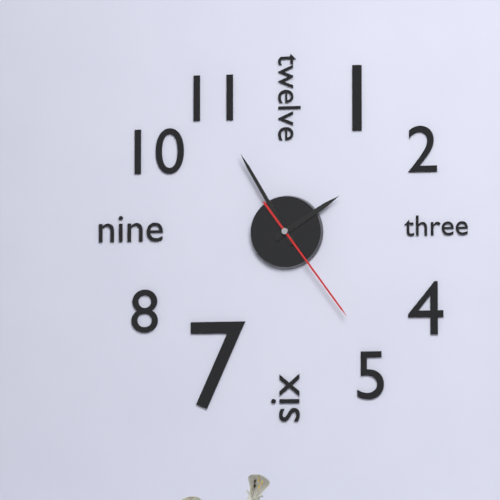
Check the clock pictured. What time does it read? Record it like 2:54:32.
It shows 1:55:24
